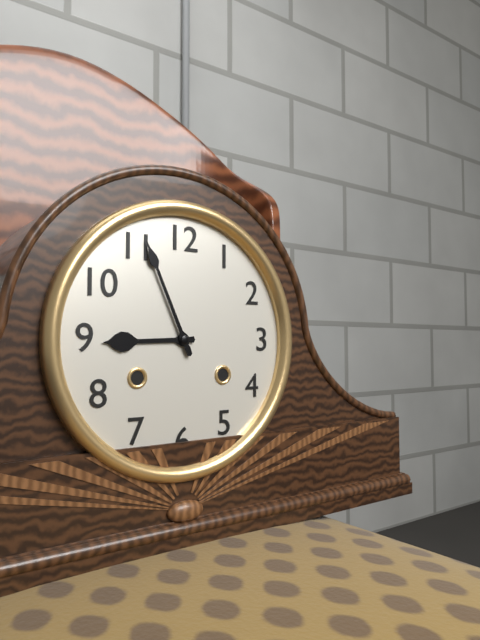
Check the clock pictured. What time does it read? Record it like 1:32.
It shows 8:56
